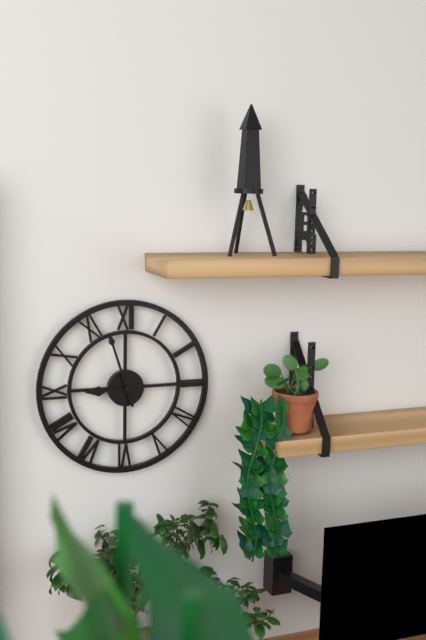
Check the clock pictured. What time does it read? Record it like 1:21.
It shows 8:57
